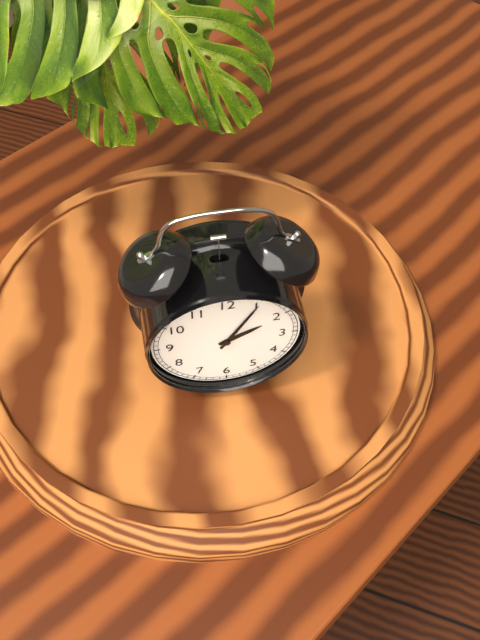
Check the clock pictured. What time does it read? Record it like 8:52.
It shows 2:05
